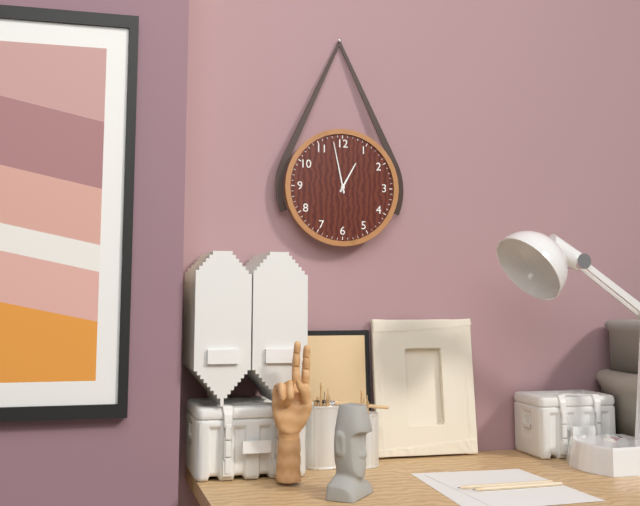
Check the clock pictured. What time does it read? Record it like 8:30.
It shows 12:58
